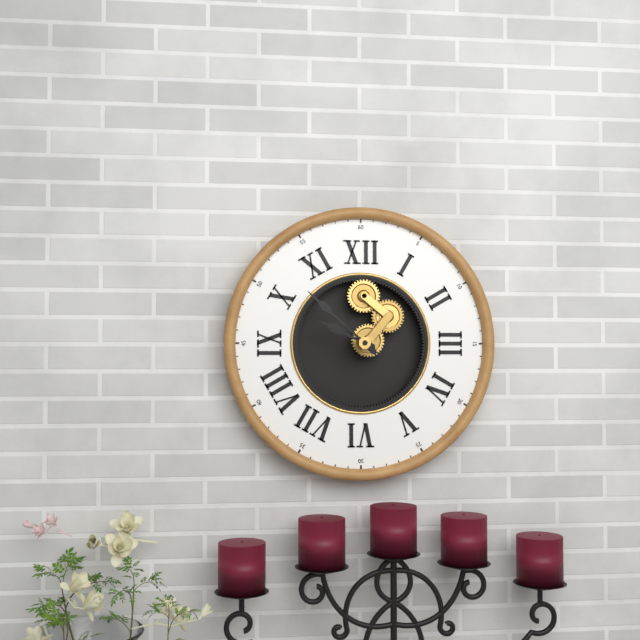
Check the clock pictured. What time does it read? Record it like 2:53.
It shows 9:52
